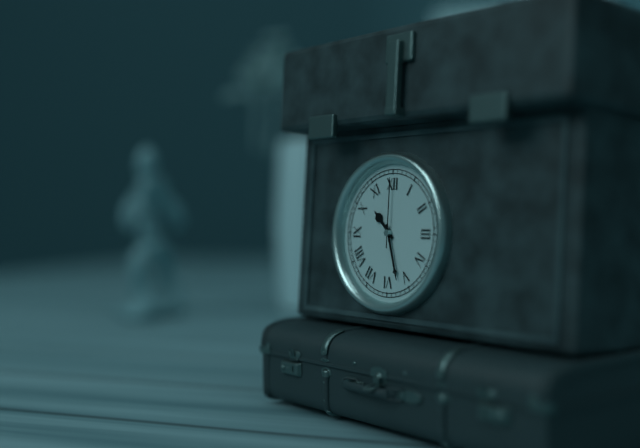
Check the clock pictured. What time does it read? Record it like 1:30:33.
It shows 10:27:00
